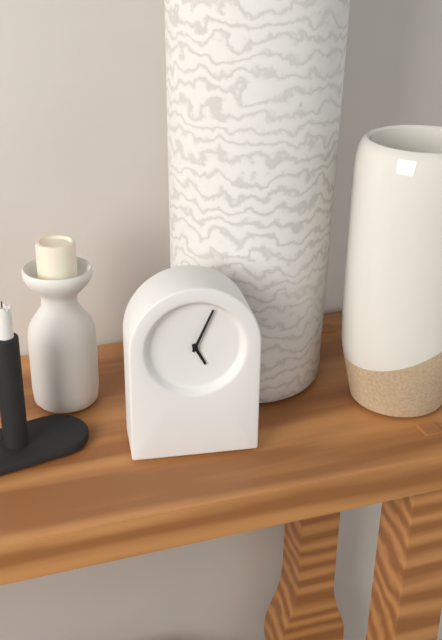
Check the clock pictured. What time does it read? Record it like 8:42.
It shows 5:04
